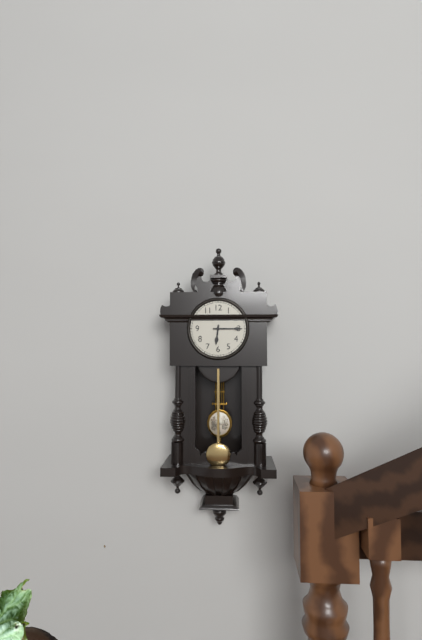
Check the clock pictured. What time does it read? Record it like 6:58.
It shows 6:15
